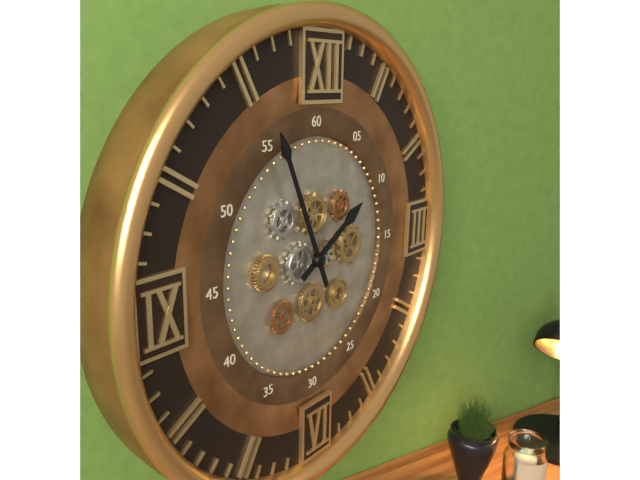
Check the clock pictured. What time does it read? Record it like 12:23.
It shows 1:56
